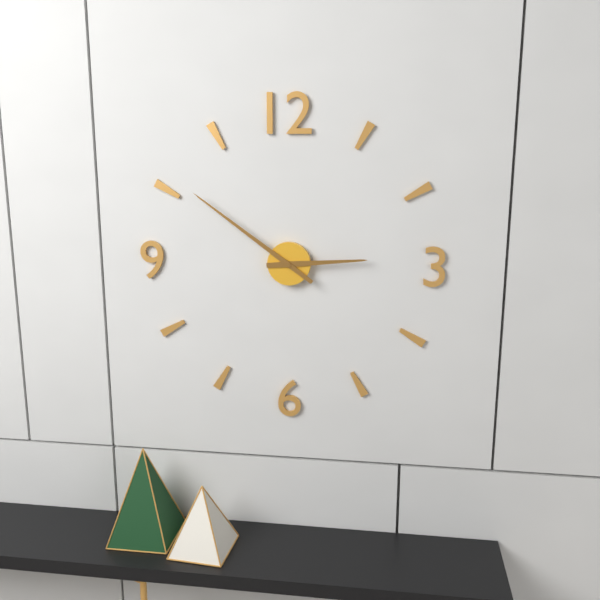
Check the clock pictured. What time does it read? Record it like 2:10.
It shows 2:51
